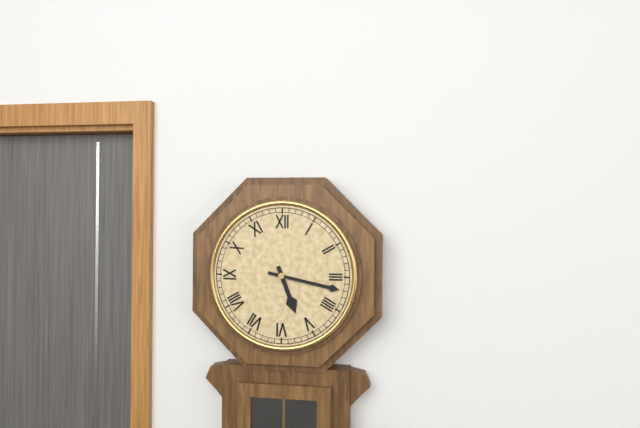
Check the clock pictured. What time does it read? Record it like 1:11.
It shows 5:17
